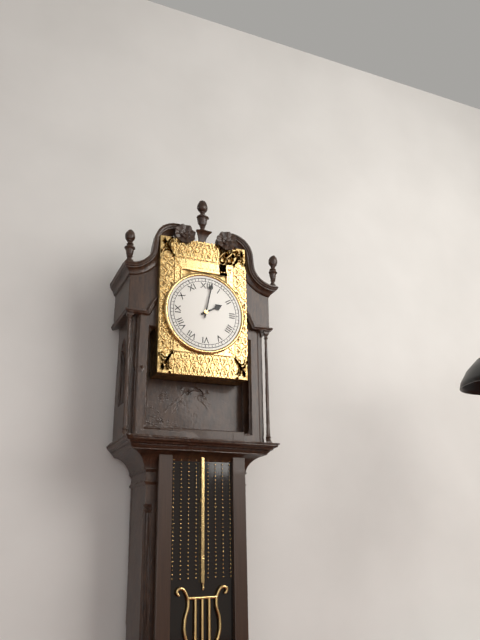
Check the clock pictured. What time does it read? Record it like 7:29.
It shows 2:02
